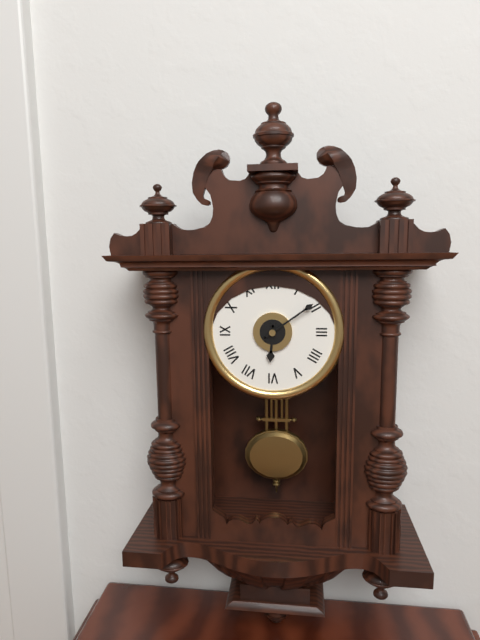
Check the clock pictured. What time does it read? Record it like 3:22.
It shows 6:09
